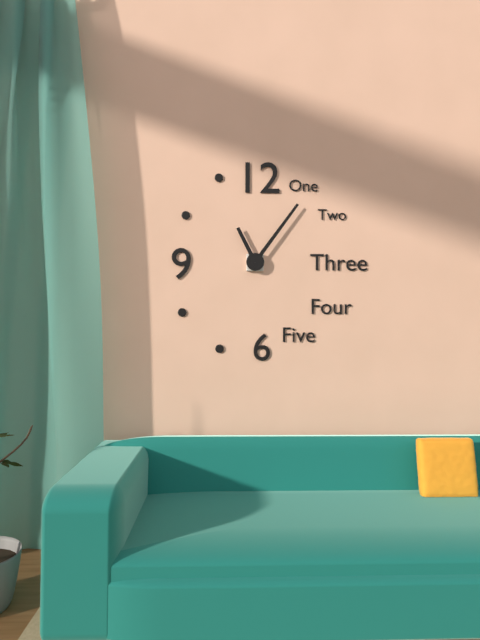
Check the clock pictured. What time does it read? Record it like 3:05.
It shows 11:06
